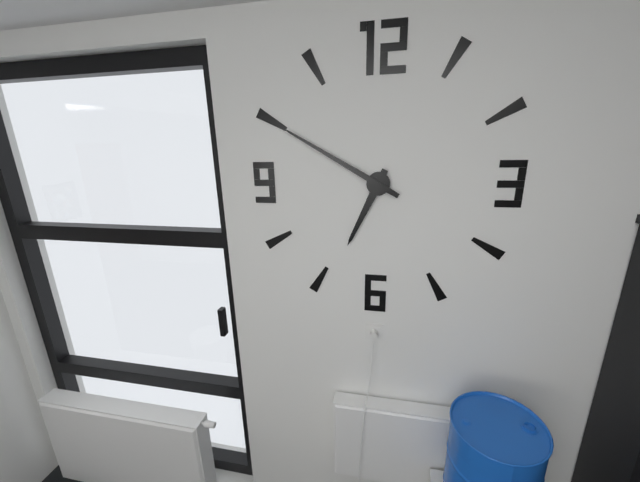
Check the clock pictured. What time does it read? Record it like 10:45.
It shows 6:50
